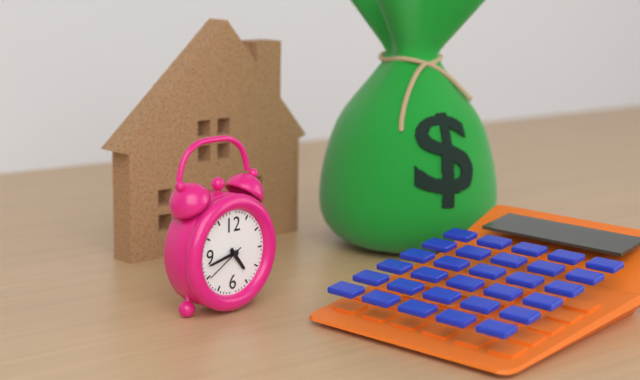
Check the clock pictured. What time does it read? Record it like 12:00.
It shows 4:43
